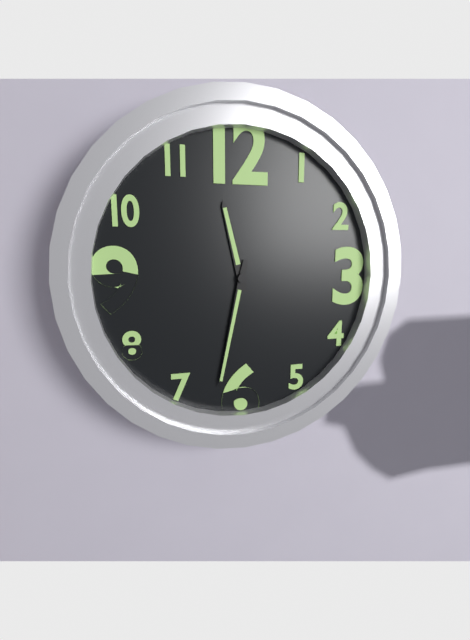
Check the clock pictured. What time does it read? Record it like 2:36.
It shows 11:32
